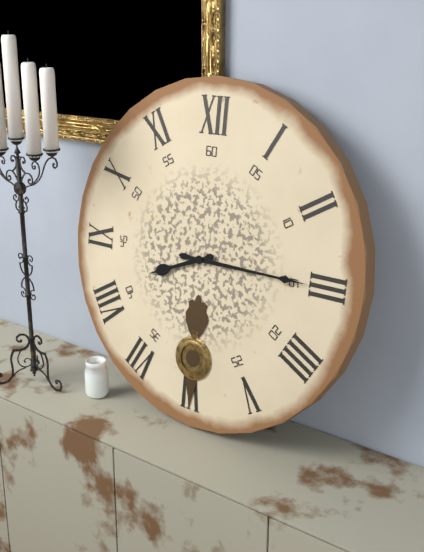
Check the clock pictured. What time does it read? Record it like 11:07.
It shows 8:15
